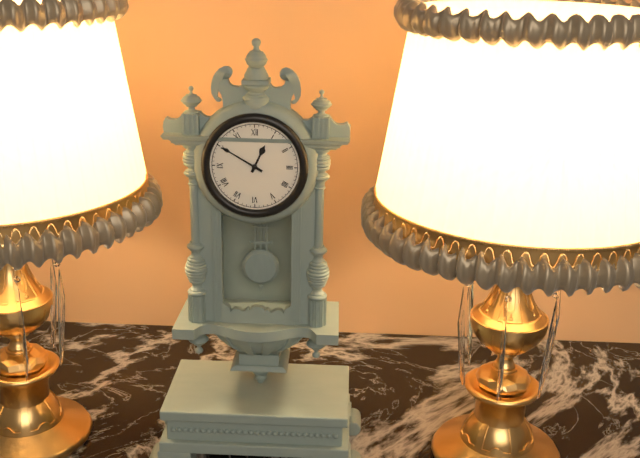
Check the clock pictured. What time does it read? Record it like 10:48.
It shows 12:50
